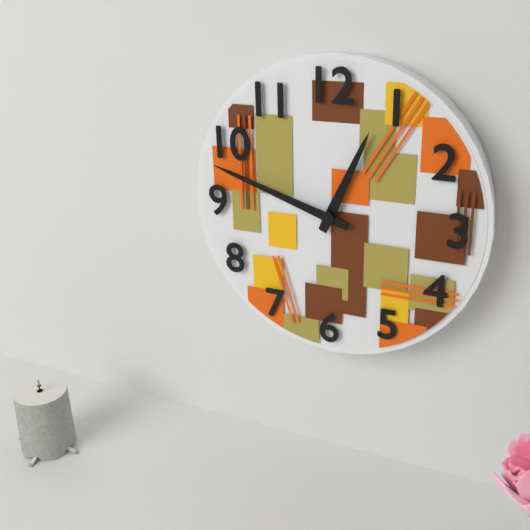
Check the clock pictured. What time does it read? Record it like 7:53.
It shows 12:48
